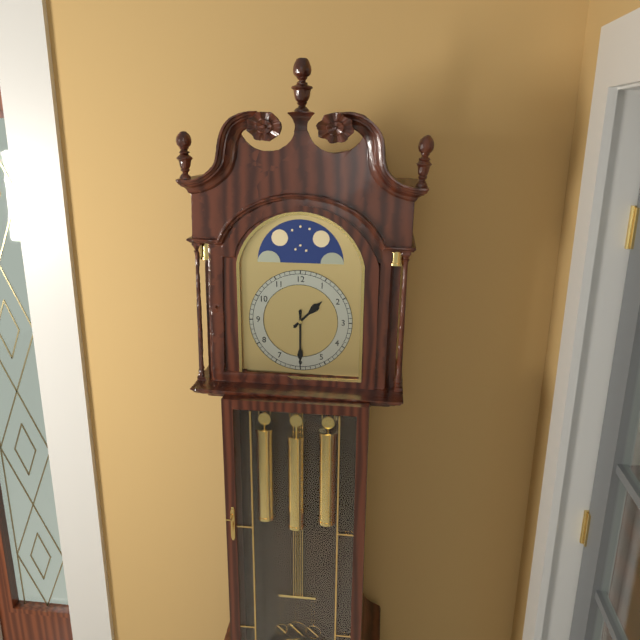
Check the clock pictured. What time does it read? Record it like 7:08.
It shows 1:30
